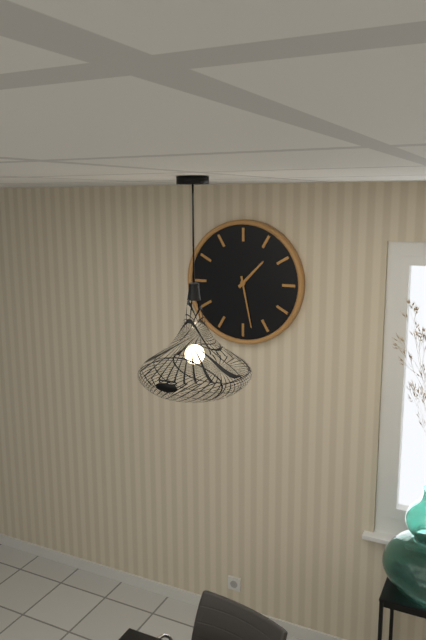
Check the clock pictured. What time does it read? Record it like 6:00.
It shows 1:28
